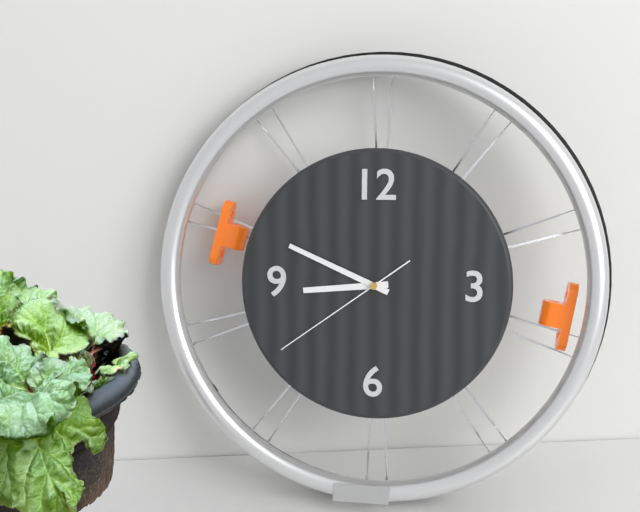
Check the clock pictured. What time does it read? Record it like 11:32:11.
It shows 8:49:39
